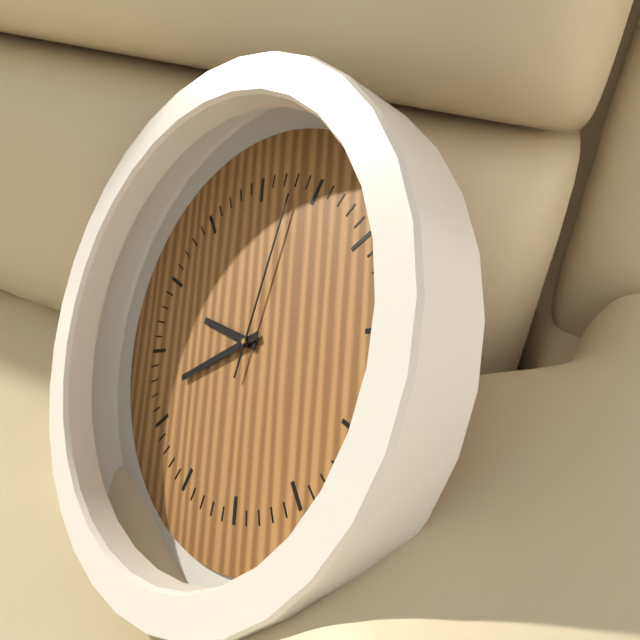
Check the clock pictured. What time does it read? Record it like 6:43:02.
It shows 9:42:03
